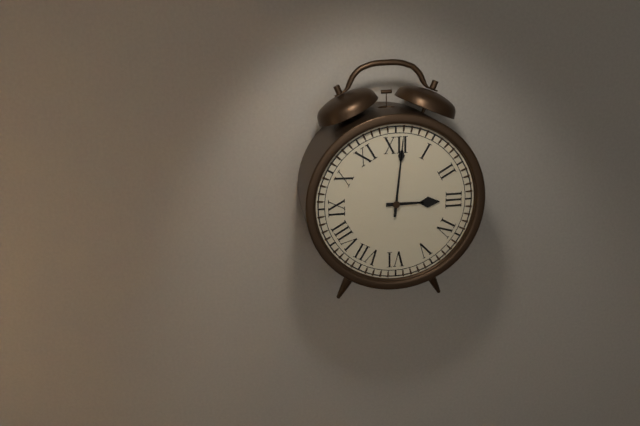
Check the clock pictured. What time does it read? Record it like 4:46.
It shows 3:01
